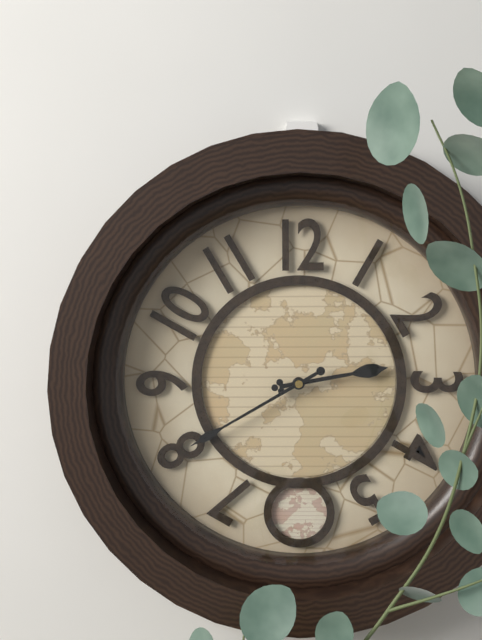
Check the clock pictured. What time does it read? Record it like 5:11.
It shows 2:40
